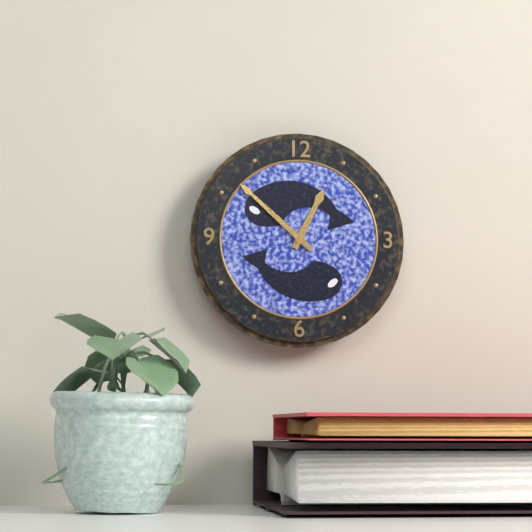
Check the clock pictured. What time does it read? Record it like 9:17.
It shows 12:52
